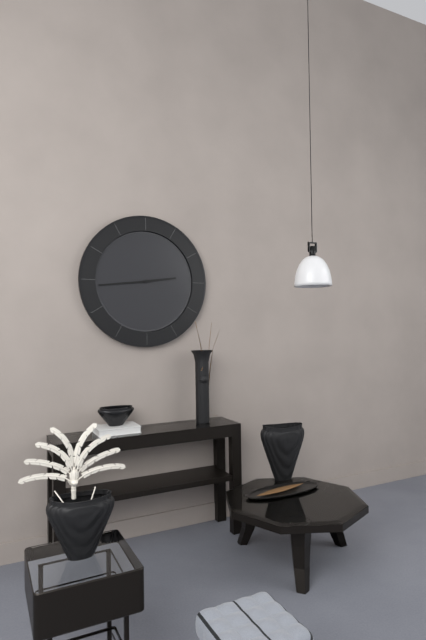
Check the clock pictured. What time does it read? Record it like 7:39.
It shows 2:44
